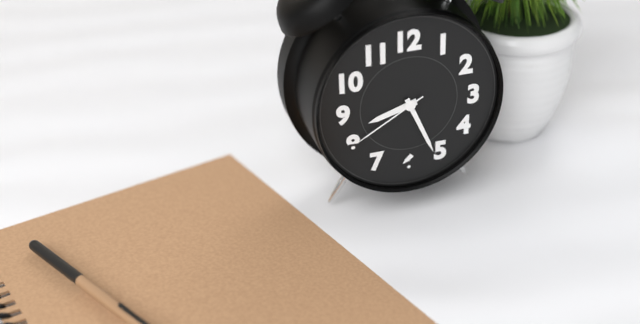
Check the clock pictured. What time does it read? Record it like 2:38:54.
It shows 8:26:40
